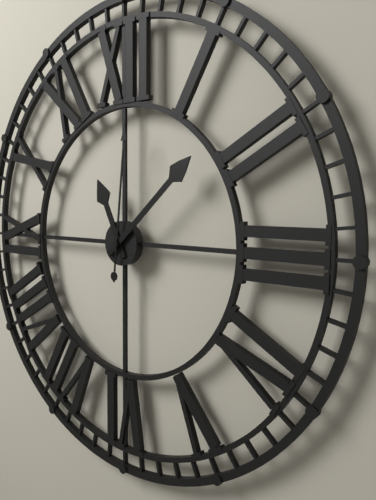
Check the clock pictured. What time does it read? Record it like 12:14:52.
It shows 11:08:01
